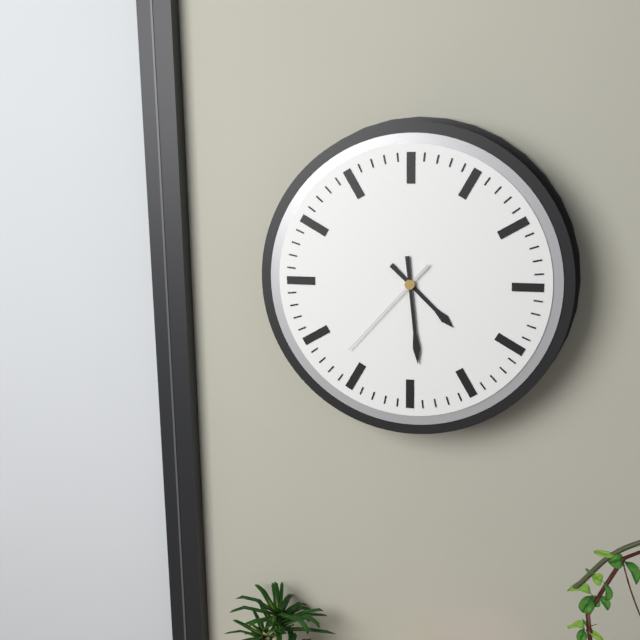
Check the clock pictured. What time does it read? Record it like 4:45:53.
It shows 4:29:37
